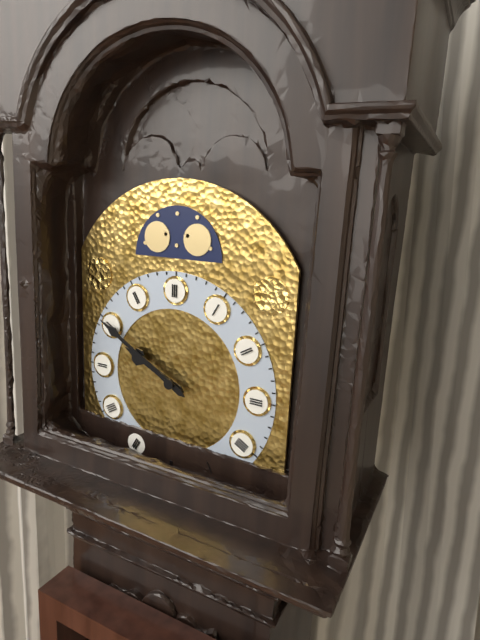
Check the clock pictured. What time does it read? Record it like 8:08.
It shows 9:50
